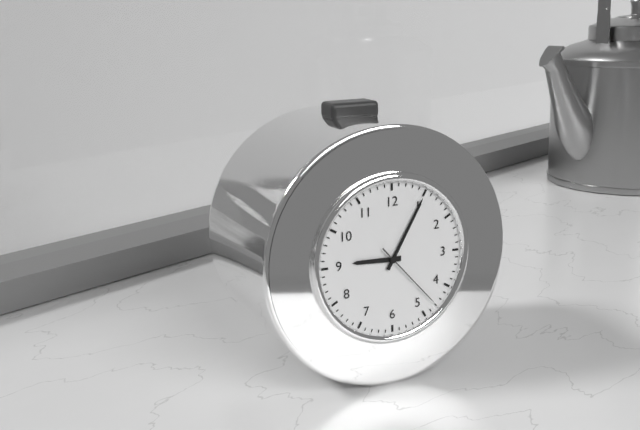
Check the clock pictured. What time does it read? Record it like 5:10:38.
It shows 9:05:23
